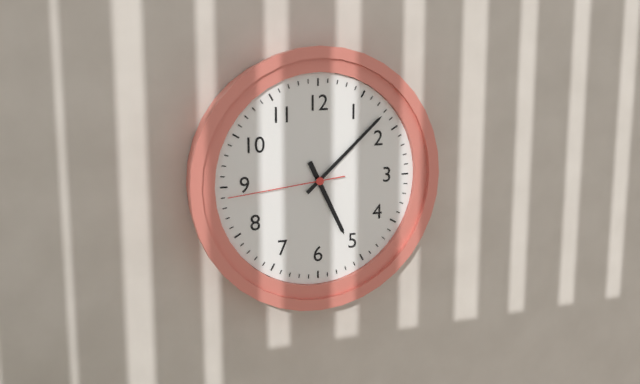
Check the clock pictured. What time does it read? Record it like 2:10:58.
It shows 5:08:44
